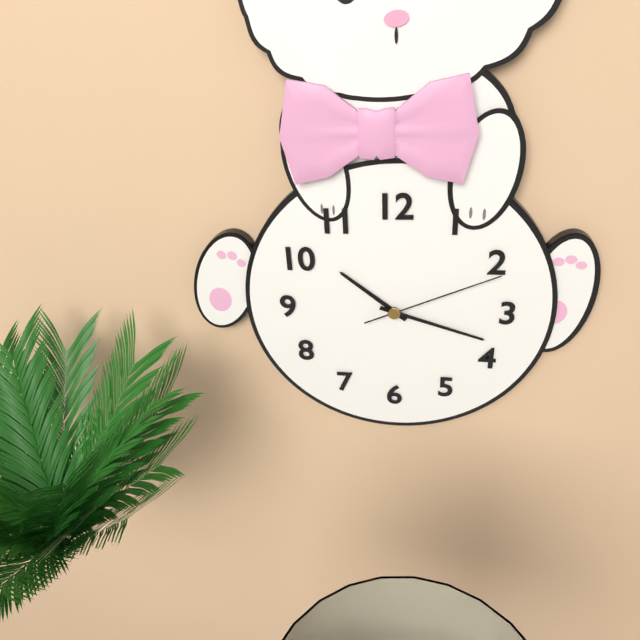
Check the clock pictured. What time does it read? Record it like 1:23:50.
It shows 10:18:11
